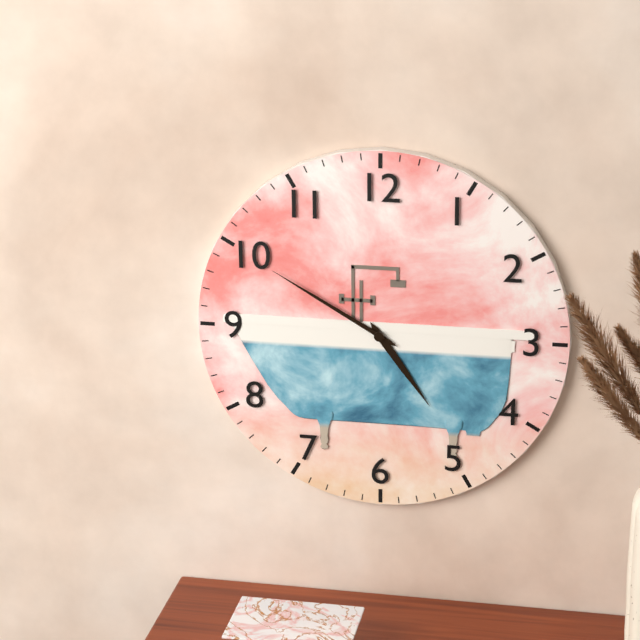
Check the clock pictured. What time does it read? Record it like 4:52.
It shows 4:50
